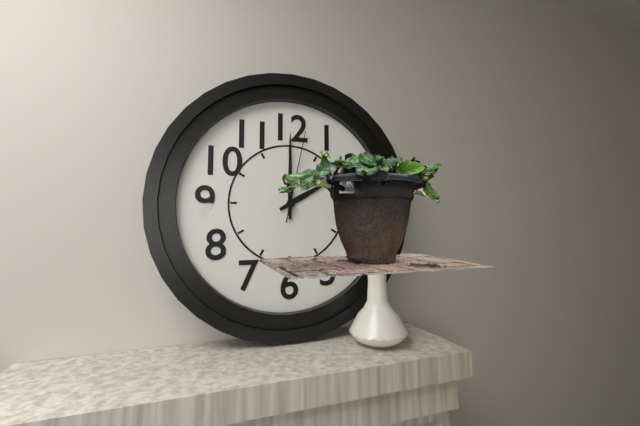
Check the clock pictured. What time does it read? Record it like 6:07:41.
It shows 2:00:02
